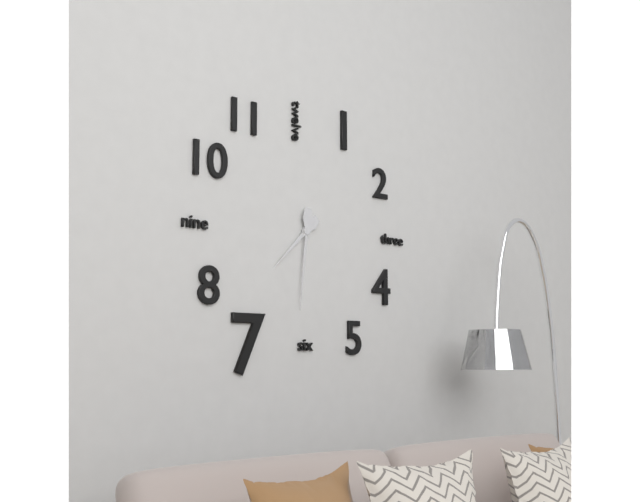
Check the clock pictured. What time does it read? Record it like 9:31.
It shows 7:31
